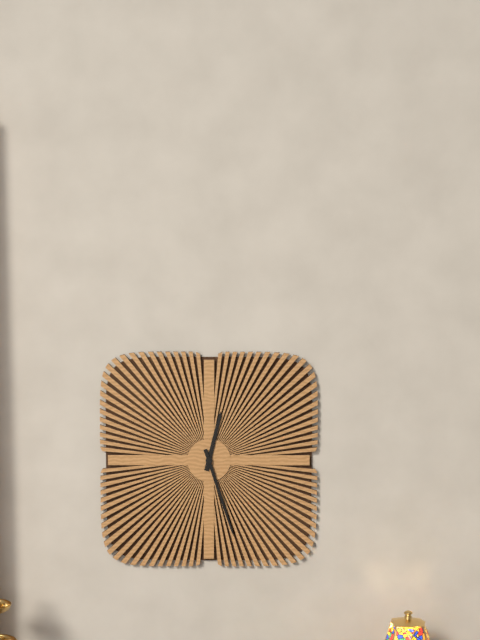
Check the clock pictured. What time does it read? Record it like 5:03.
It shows 12:27
